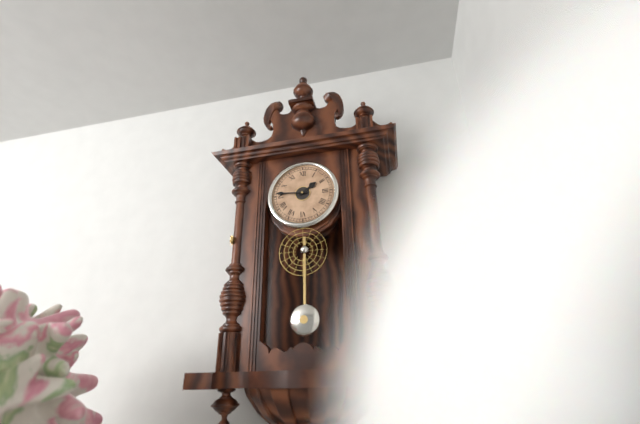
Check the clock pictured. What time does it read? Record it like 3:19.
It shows 1:46
